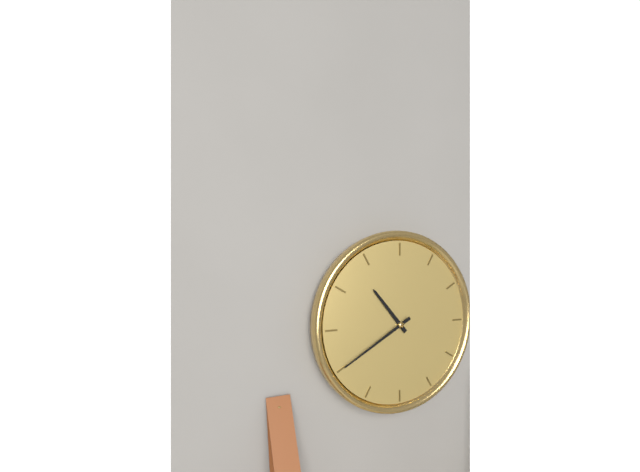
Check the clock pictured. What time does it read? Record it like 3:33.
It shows 10:40
